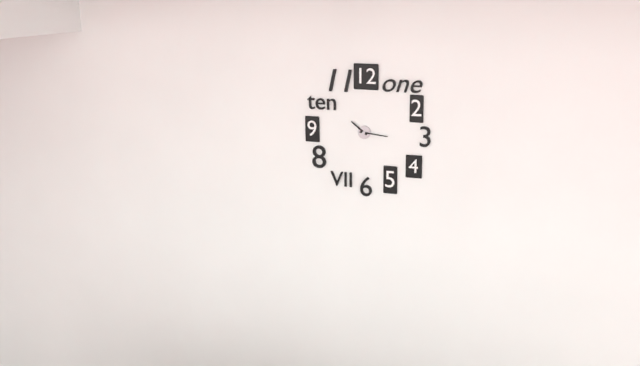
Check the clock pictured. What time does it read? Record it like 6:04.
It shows 10:16
